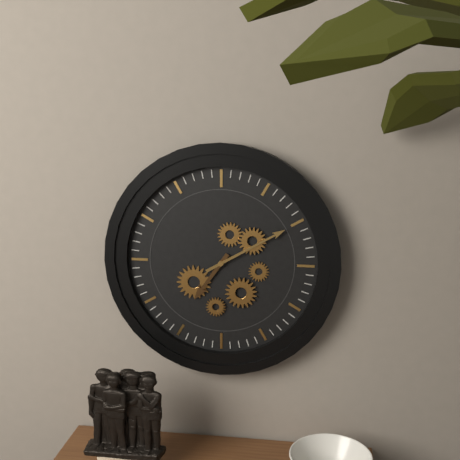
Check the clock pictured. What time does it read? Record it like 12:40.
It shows 7:10
